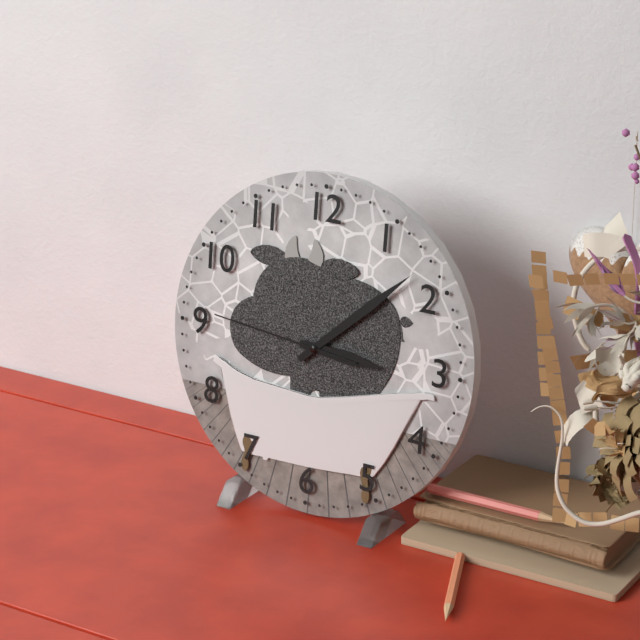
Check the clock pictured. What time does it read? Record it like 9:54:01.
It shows 3:08:46
